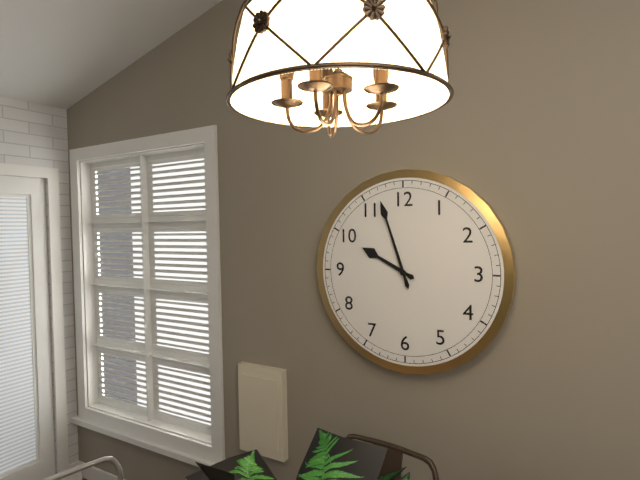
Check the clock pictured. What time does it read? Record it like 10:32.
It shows 9:57
